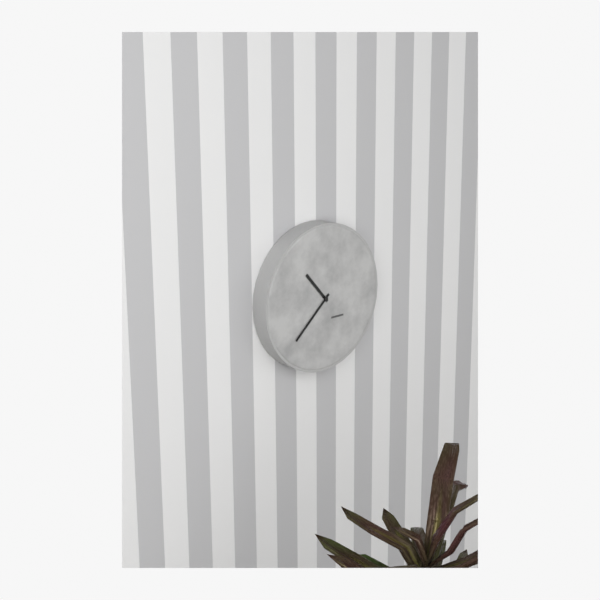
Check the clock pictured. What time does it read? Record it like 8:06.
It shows 10:38
